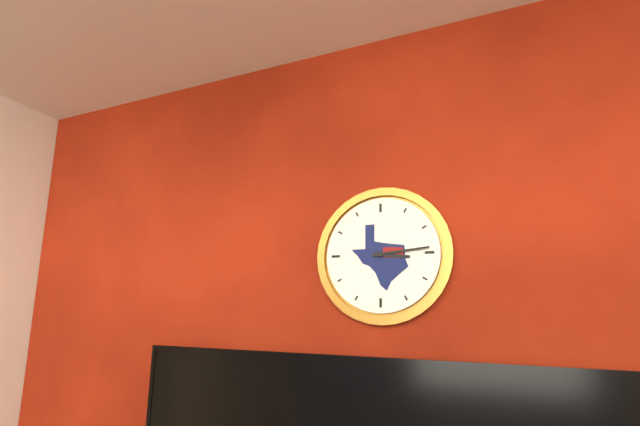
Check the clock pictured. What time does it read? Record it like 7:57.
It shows 3:14
